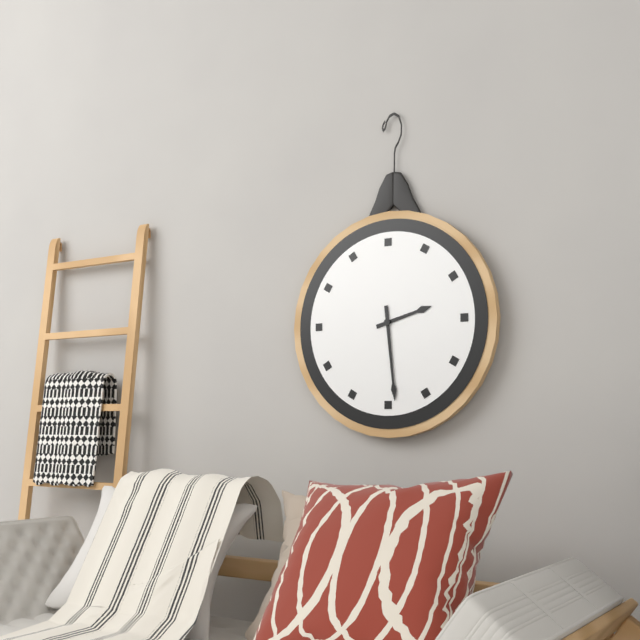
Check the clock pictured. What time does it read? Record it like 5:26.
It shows 2:29
